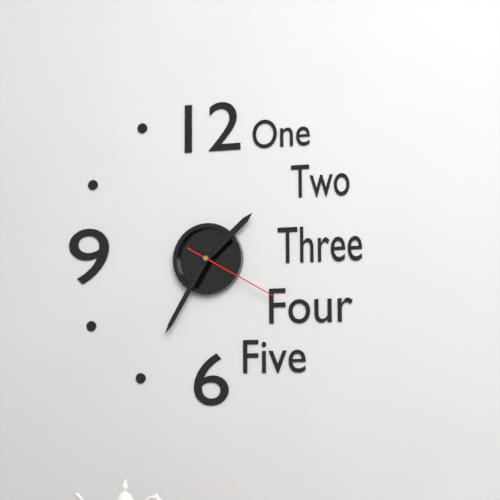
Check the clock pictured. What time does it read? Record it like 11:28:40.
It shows 1:35:20
